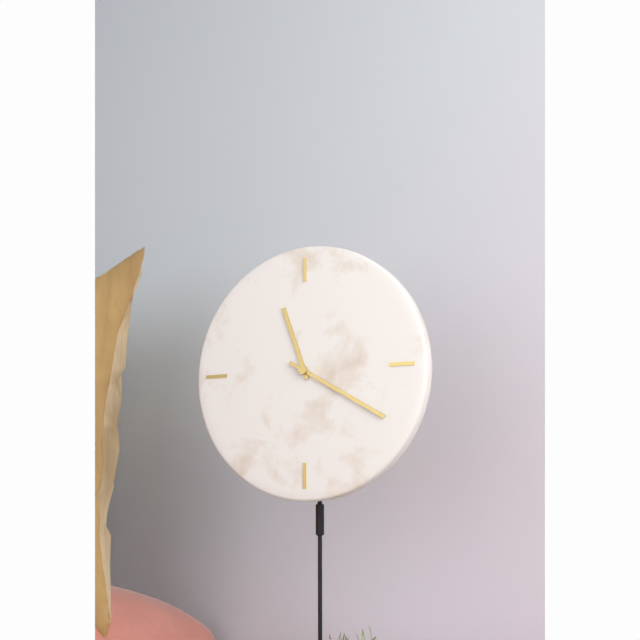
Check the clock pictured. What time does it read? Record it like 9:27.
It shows 11:20
